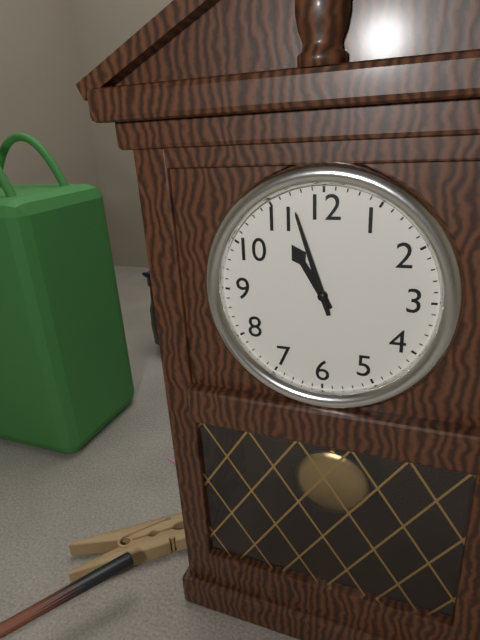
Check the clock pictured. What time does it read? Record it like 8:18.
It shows 10:57
